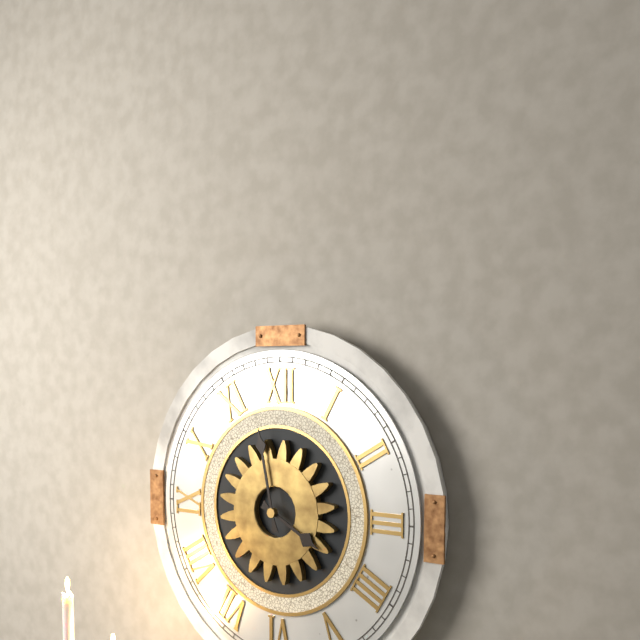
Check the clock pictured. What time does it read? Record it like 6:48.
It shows 3:58
